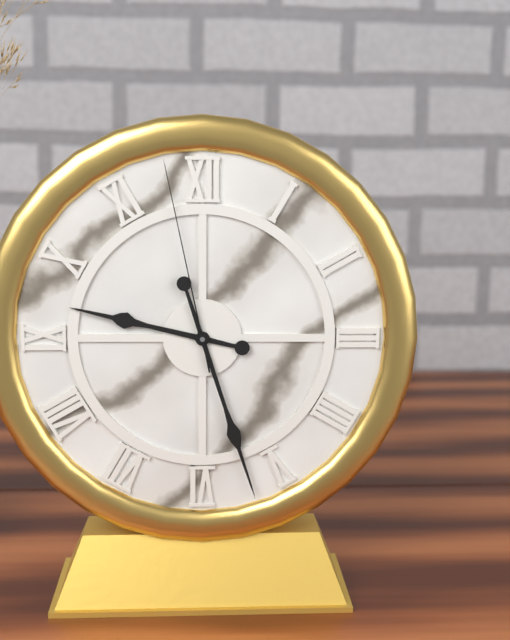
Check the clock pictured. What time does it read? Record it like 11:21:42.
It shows 9:27:58
